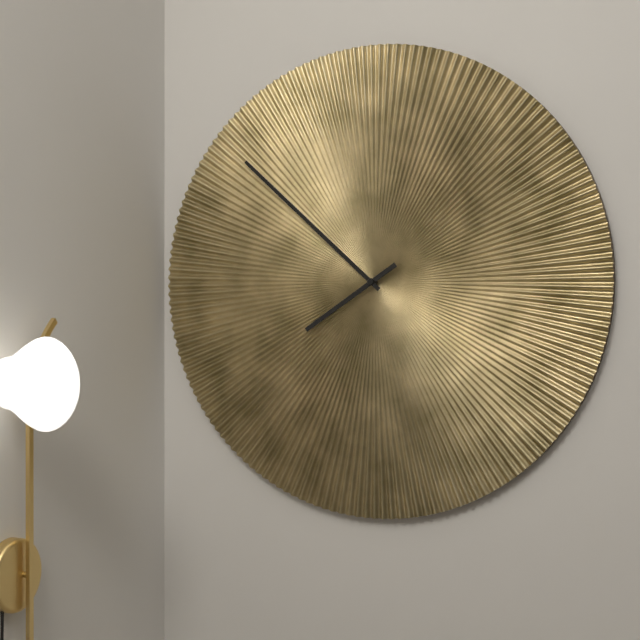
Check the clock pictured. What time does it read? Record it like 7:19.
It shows 7:52
